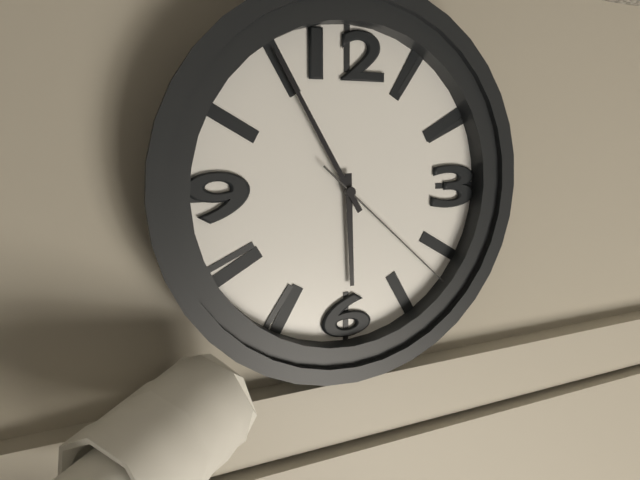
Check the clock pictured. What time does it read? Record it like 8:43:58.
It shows 5:55:22
